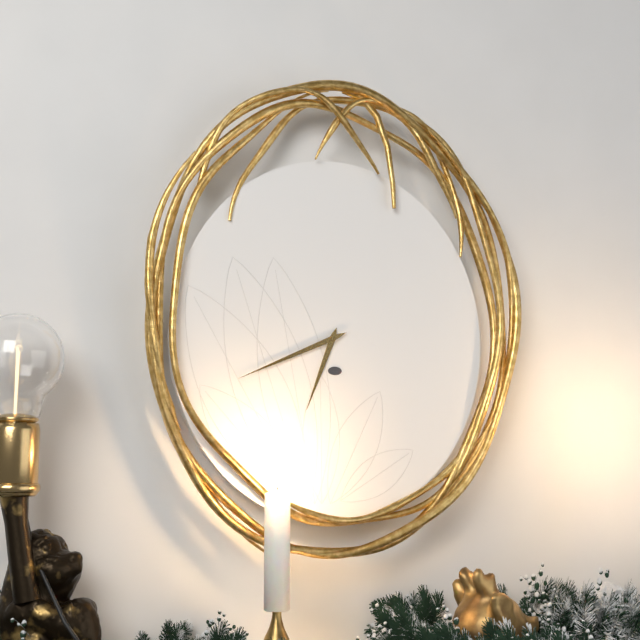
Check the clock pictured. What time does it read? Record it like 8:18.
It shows 6:41
